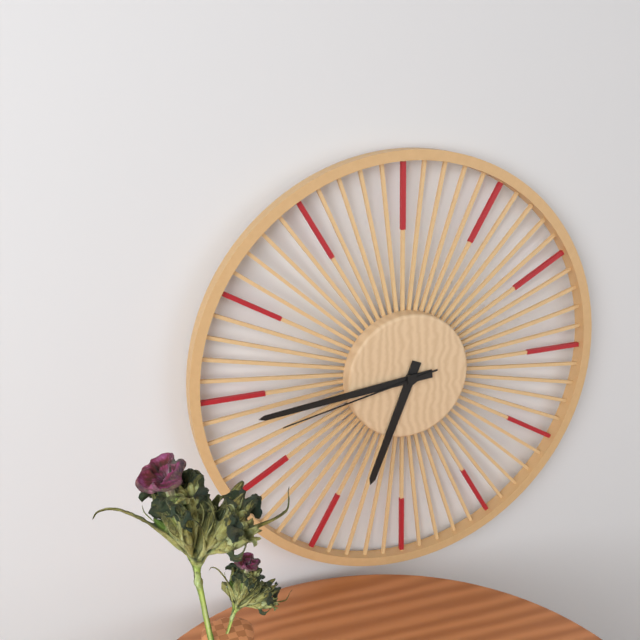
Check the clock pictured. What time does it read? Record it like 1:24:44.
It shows 6:44:43
